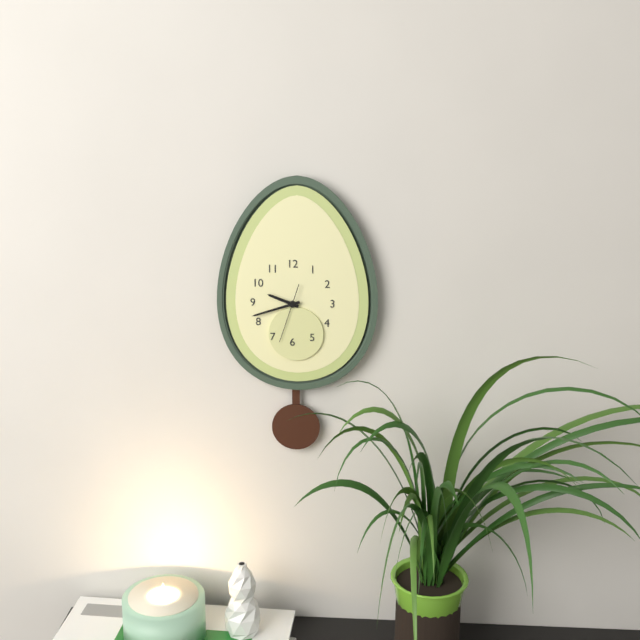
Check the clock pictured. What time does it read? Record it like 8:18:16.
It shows 9:42:33
